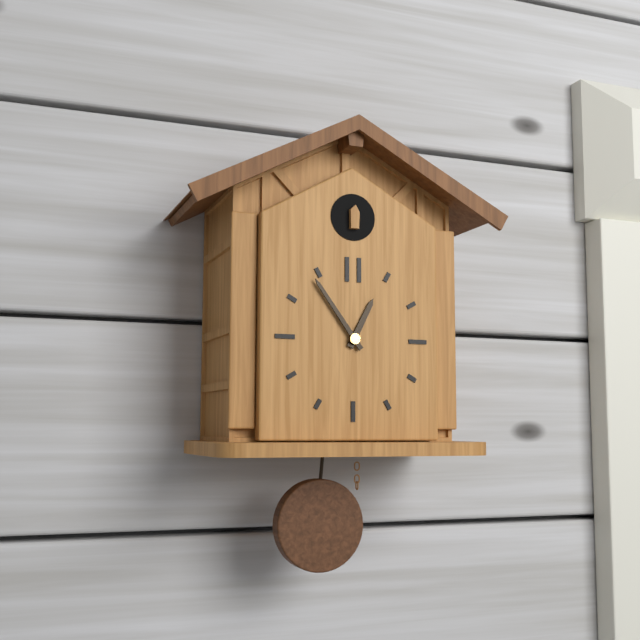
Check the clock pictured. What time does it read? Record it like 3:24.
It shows 12:54
